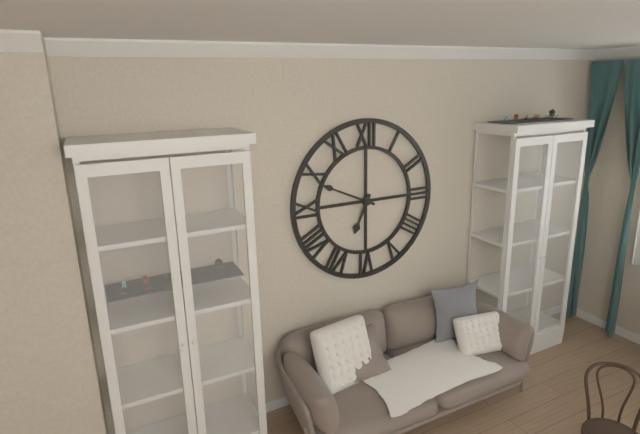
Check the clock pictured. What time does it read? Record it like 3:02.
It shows 6:49
